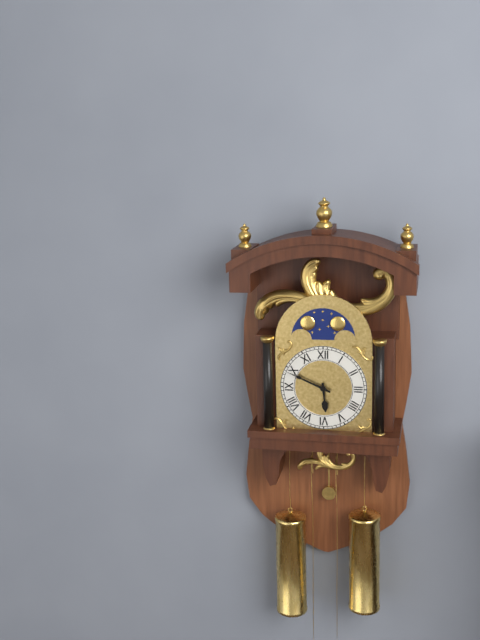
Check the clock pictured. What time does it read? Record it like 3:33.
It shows 5:49
